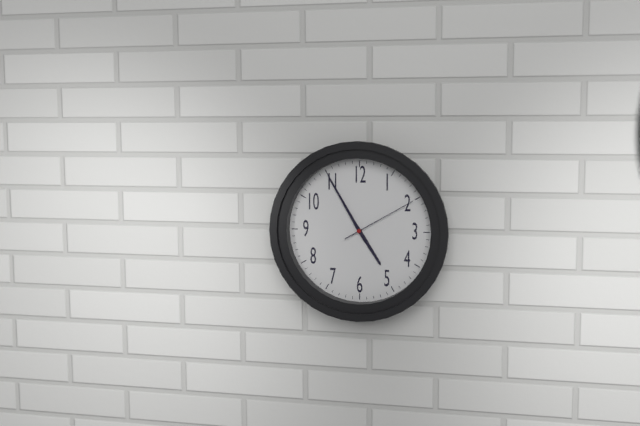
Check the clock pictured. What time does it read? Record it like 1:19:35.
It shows 4:55:10
